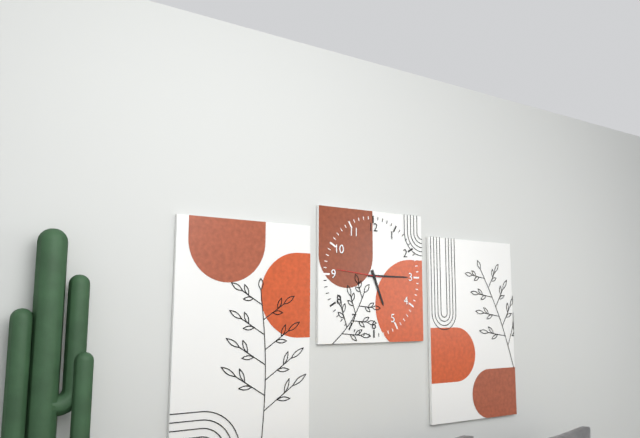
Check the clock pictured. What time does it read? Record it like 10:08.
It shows 5:15
